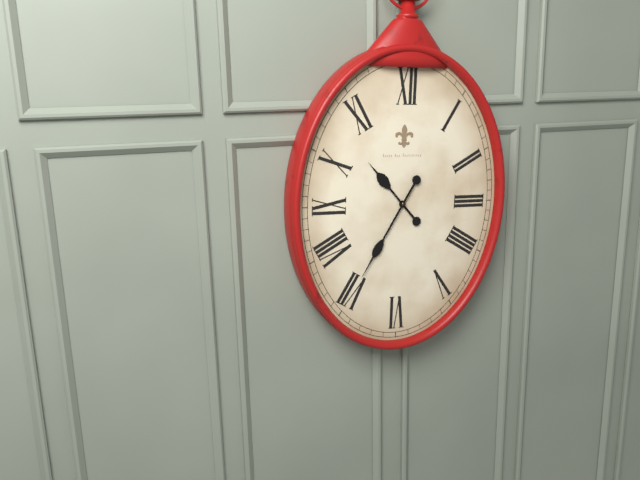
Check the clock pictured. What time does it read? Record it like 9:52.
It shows 10:35
